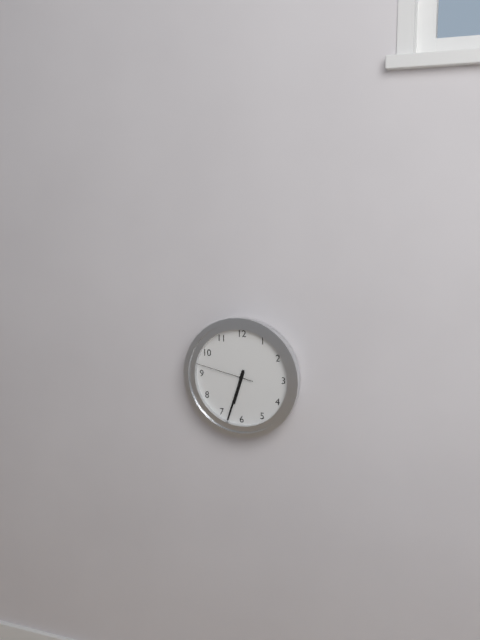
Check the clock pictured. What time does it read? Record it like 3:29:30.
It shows 6:33:47
